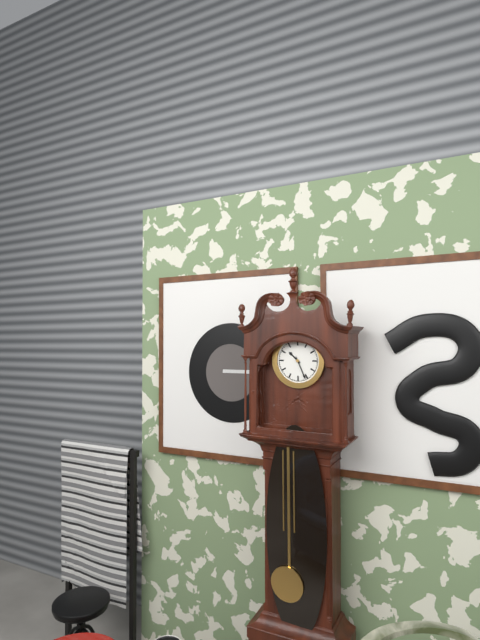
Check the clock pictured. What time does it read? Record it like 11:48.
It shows 10:26
